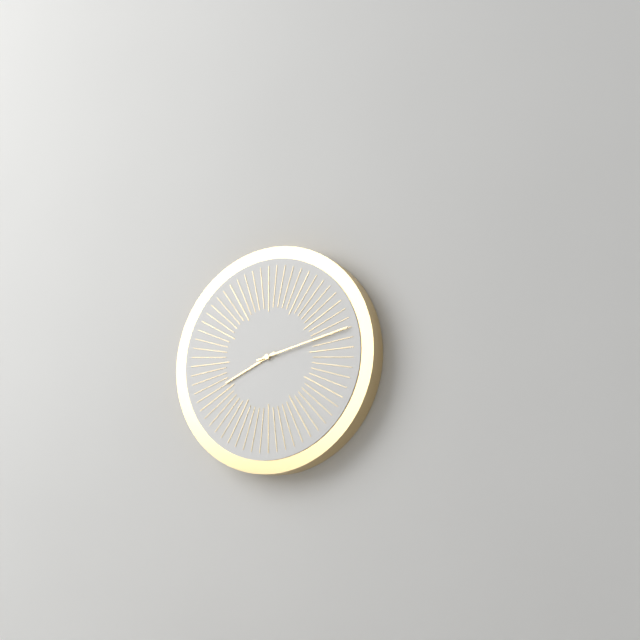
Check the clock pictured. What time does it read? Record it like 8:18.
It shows 8:13
